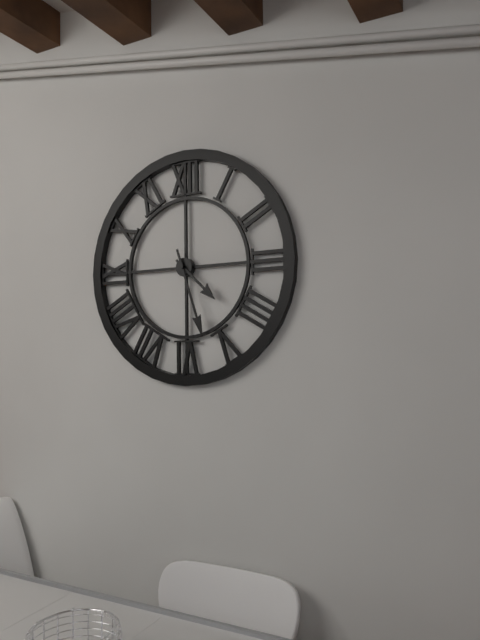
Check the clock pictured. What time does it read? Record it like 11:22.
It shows 4:27
